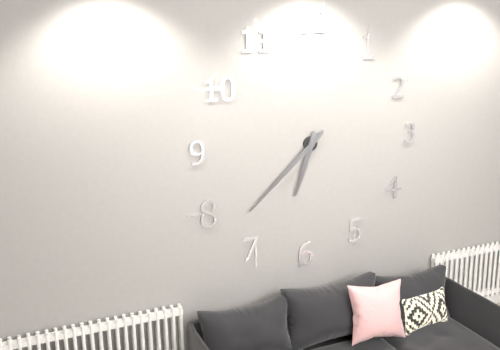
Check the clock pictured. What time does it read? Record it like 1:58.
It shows 6:38
